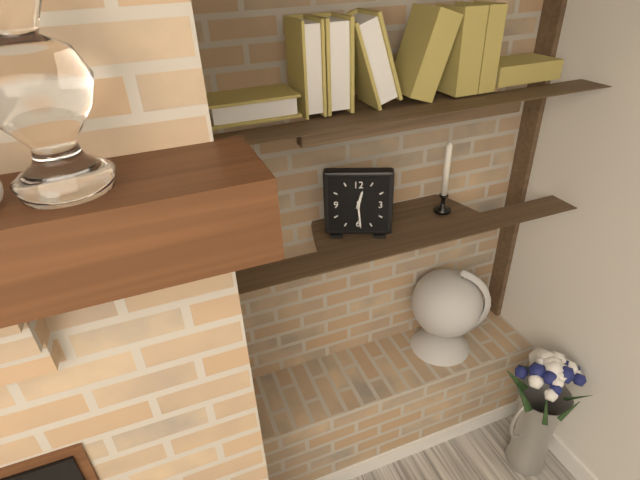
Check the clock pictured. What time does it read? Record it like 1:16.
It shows 12:29
